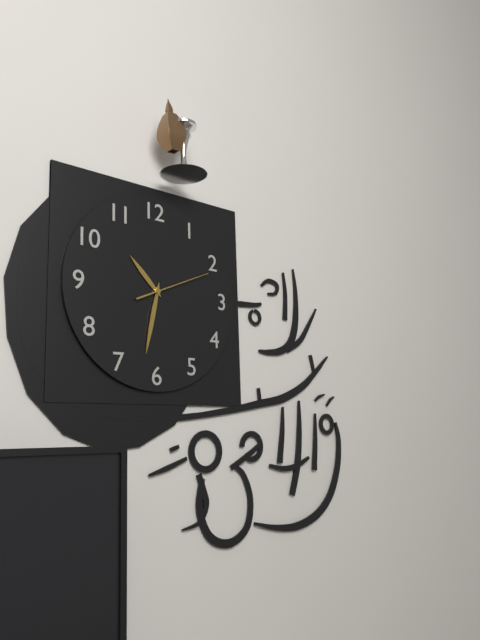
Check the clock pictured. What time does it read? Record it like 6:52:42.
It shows 10:32:11
